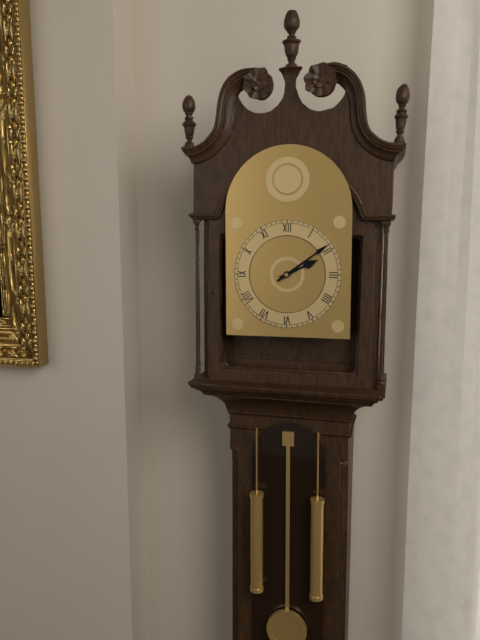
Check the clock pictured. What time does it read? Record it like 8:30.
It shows 2:09
